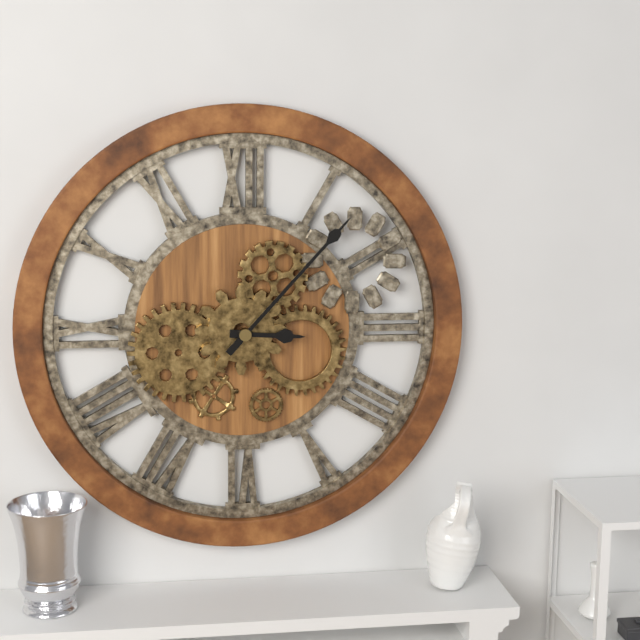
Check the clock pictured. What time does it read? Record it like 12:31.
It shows 3:07
